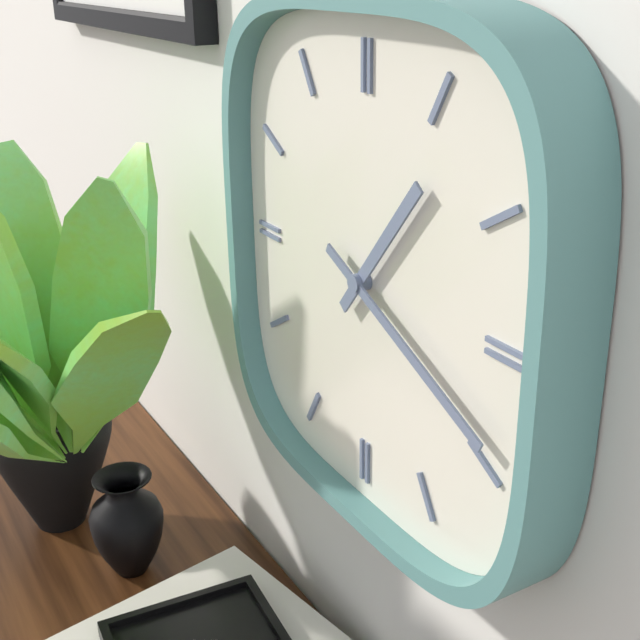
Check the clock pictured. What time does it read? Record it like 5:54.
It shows 1:19
